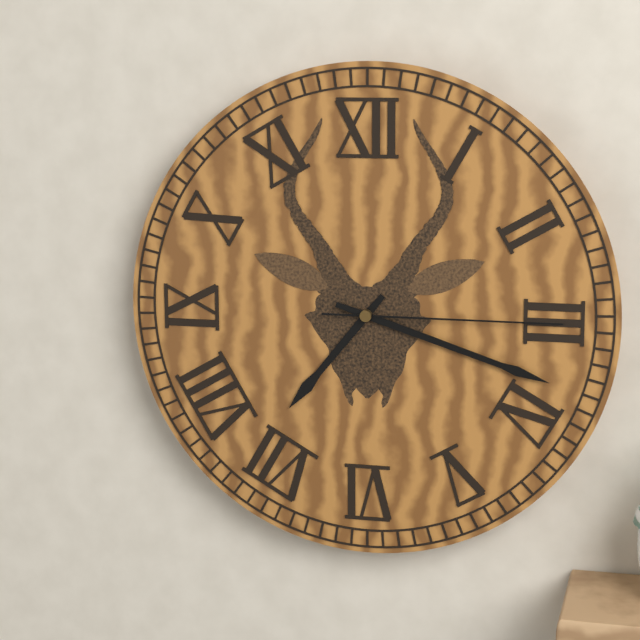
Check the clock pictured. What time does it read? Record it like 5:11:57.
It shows 7:18:15
